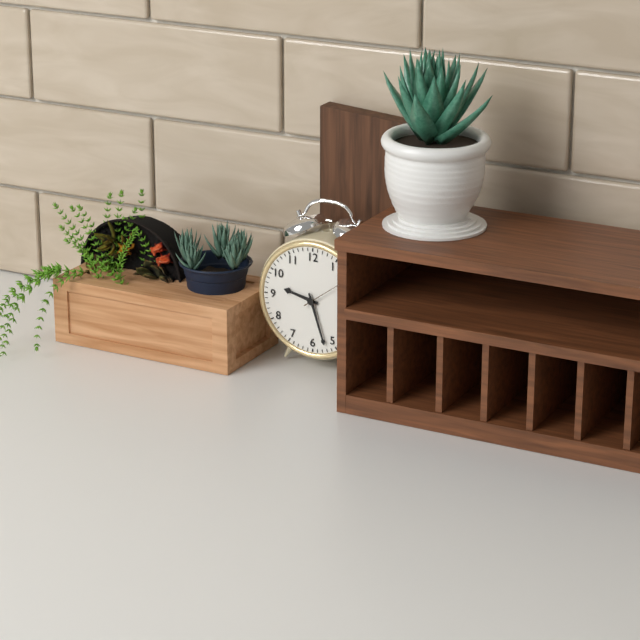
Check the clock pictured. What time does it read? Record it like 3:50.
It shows 9:27
